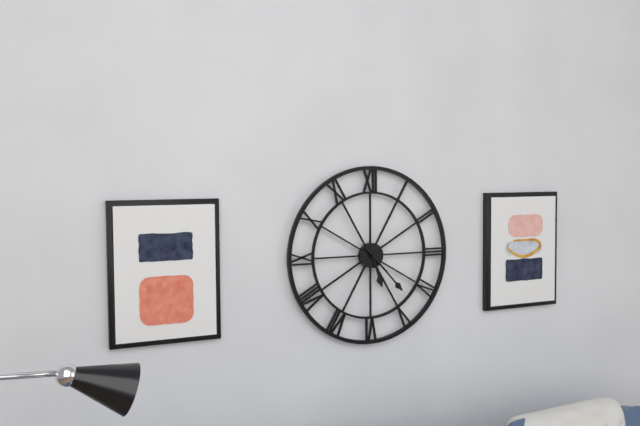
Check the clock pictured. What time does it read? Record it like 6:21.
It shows 5:23
